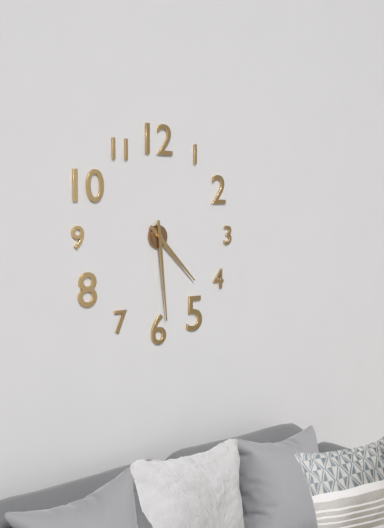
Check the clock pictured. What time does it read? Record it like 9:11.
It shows 4:29
